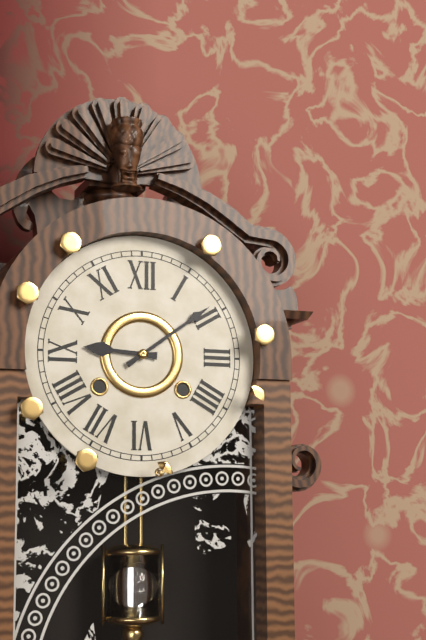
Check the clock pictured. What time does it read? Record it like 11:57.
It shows 9:09
